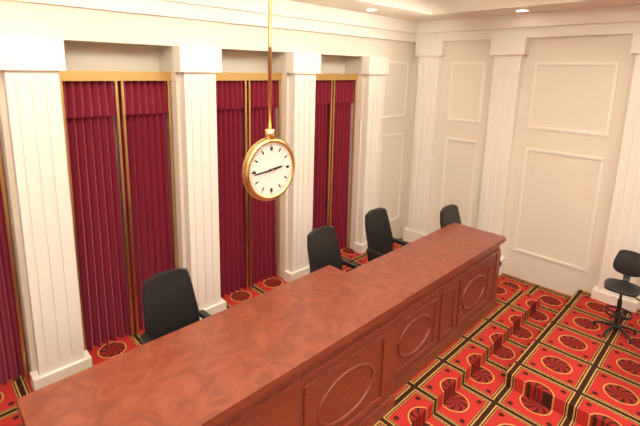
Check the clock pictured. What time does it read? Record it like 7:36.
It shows 2:44
